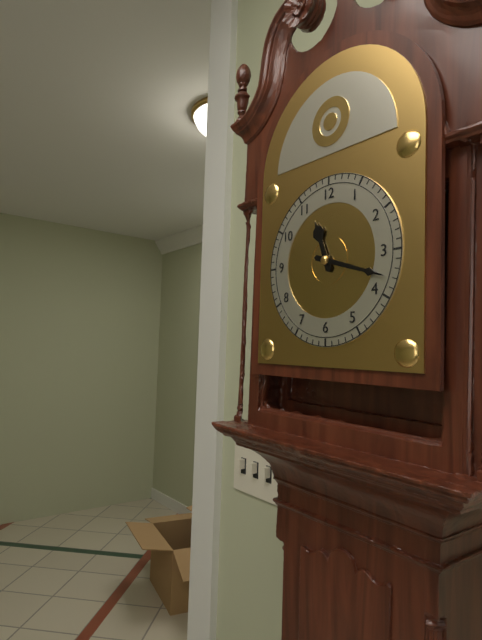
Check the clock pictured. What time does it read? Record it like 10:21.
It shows 11:18
